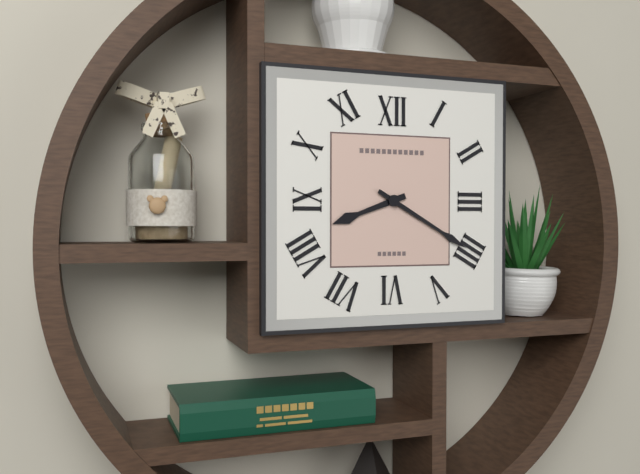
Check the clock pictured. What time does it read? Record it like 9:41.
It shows 8:20
